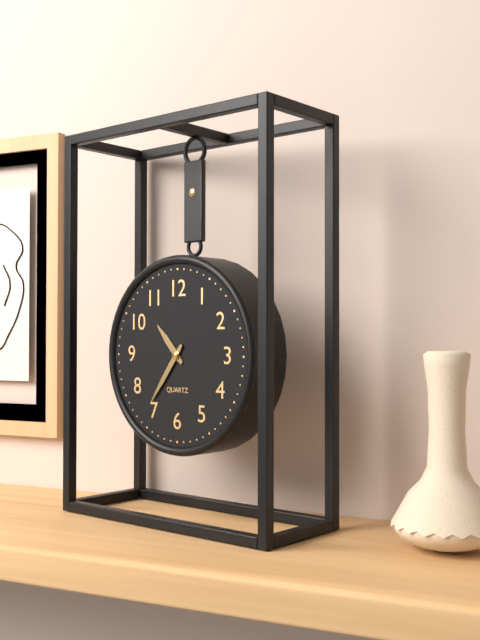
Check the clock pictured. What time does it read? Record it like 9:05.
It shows 10:36
